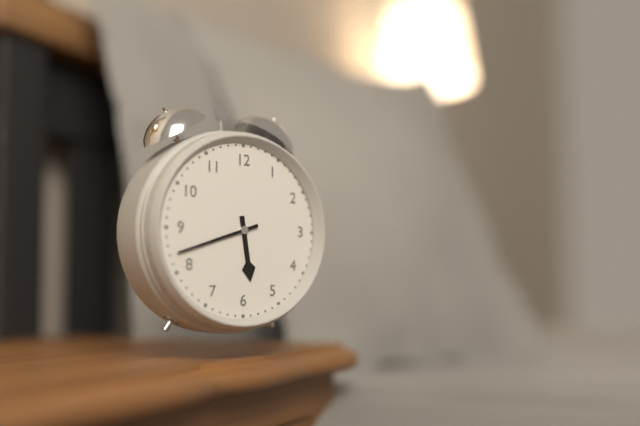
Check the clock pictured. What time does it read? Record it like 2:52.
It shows 5:42
